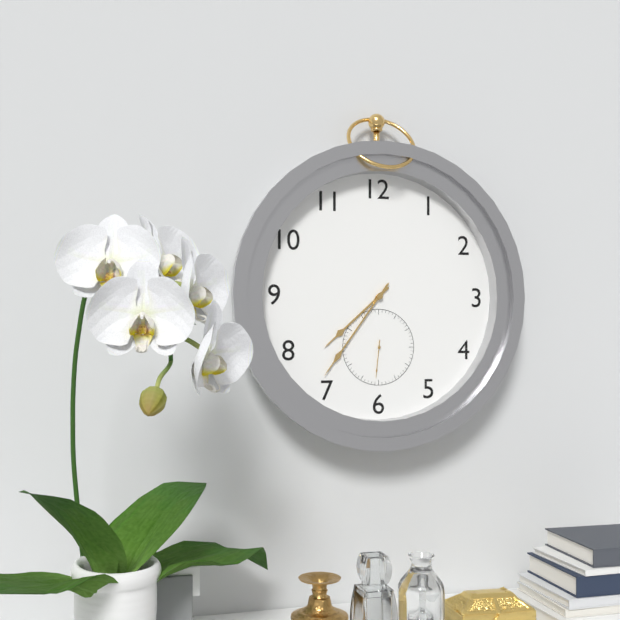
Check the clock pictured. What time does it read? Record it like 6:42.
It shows 7:36
